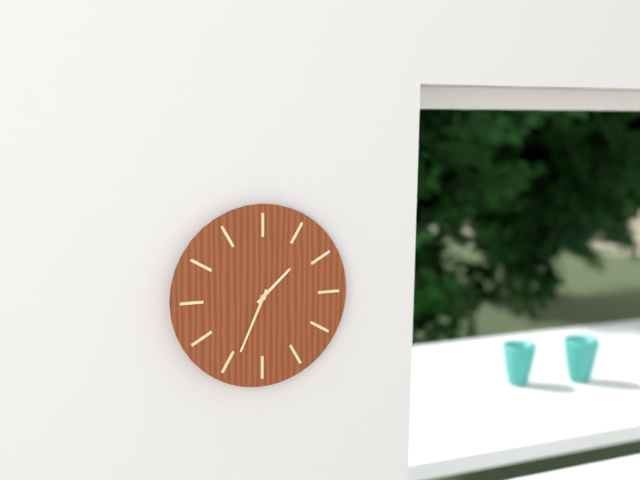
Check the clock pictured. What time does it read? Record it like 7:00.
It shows 1:34
